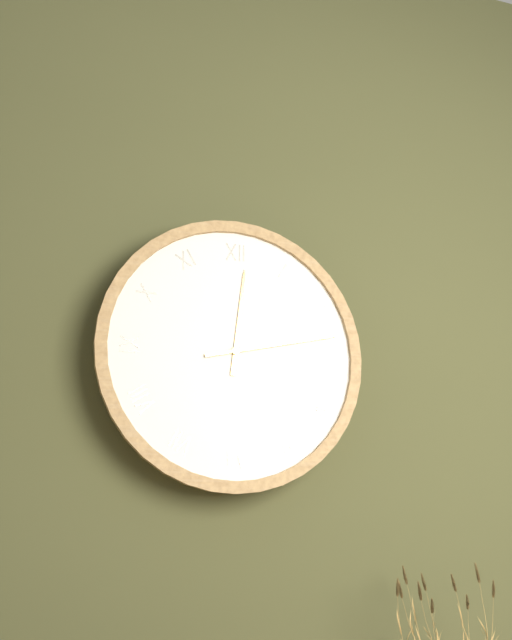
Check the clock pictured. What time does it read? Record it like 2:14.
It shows 12:13
